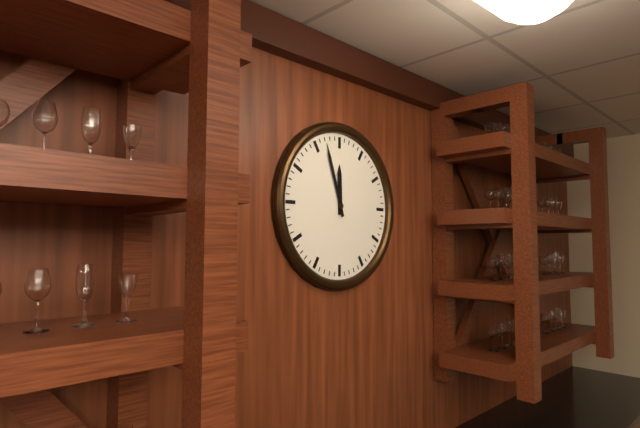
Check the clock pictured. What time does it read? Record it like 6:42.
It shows 11:57
